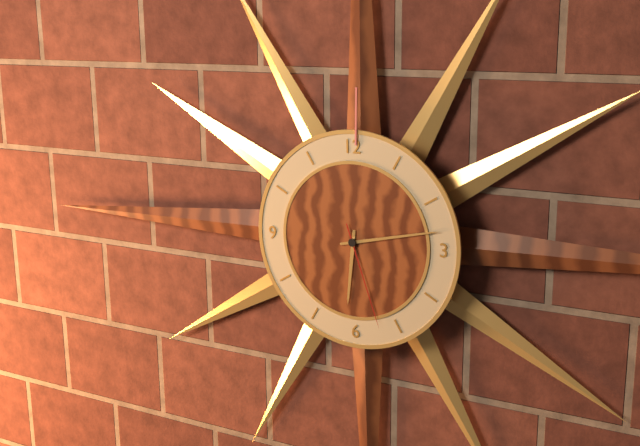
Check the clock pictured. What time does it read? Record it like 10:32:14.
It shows 6:13:27
